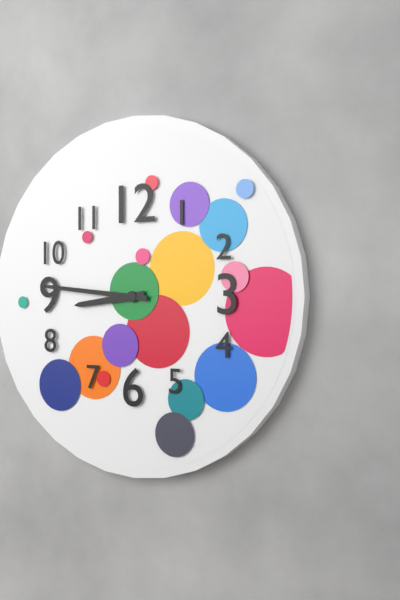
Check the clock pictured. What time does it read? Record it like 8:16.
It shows 8:46
